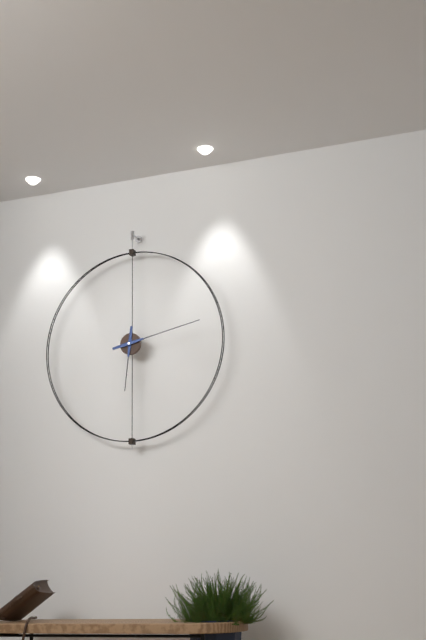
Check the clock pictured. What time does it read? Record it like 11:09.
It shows 6:13
